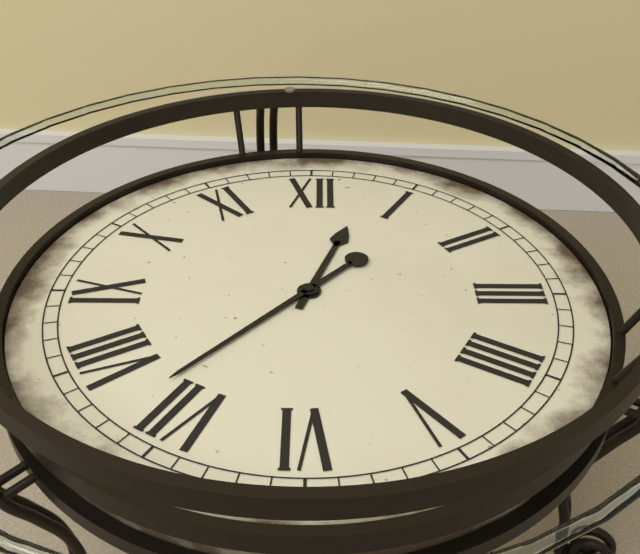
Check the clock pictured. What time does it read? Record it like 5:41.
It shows 12:37
